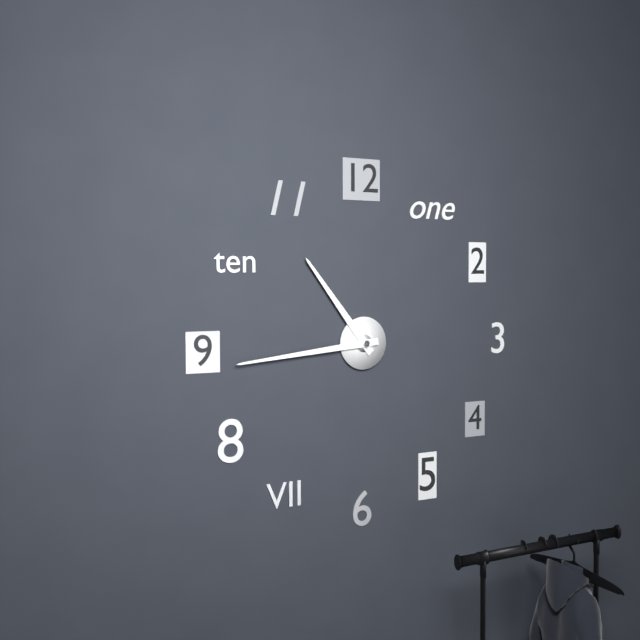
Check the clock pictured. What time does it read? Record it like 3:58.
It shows 10:44
